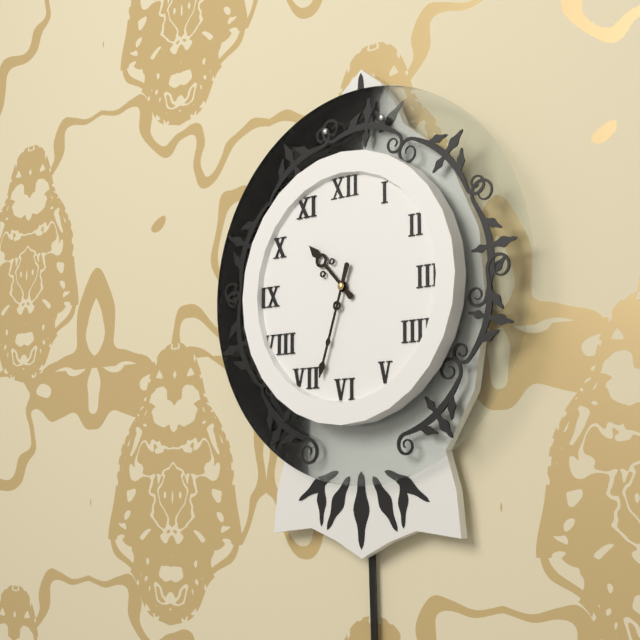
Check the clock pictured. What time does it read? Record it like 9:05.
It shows 10:33
